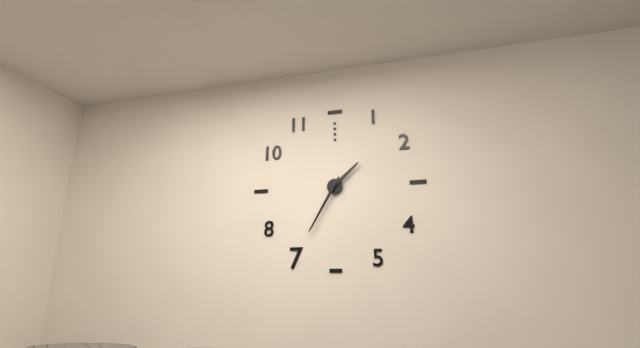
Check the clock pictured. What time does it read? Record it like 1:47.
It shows 1:35
